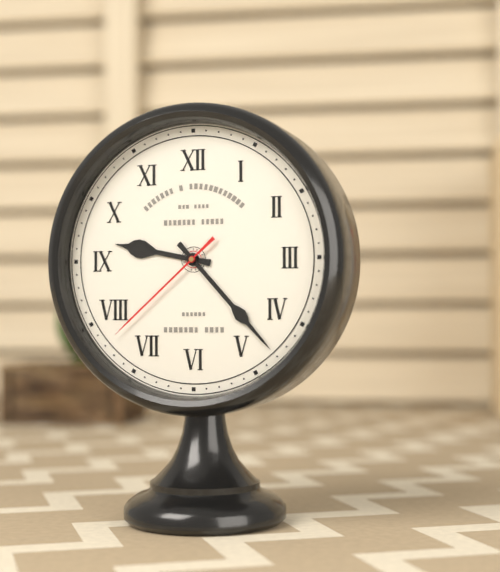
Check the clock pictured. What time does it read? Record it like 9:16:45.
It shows 9:23:38
